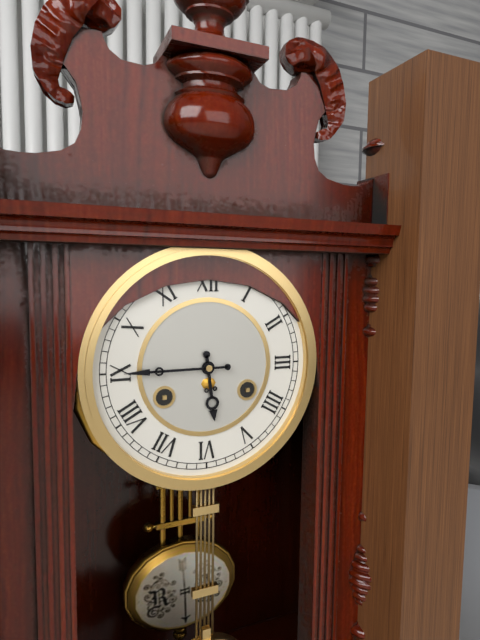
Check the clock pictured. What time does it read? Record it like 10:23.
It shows 5:45
